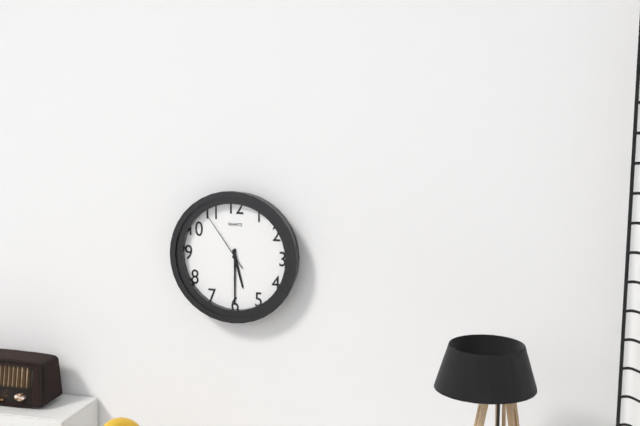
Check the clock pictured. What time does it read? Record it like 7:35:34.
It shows 5:30:54
